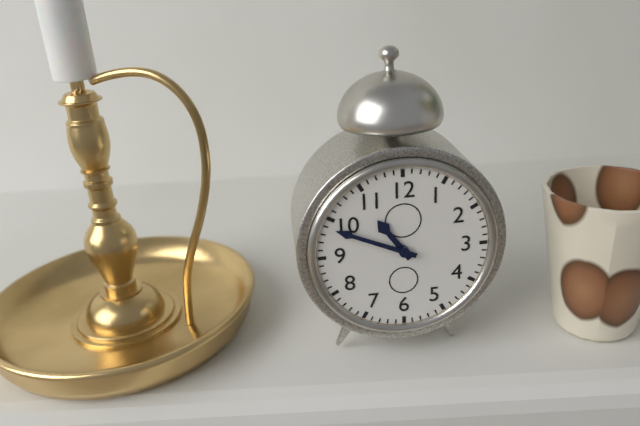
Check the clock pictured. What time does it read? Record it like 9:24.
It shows 10:49
